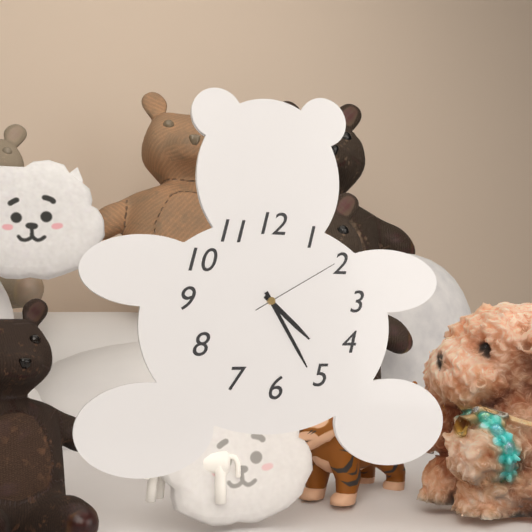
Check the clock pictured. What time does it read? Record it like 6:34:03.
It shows 4:25:10
